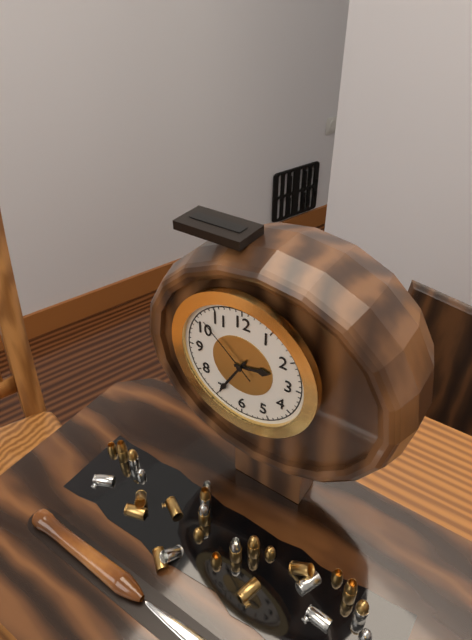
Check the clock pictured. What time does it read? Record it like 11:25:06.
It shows 2:35:52
